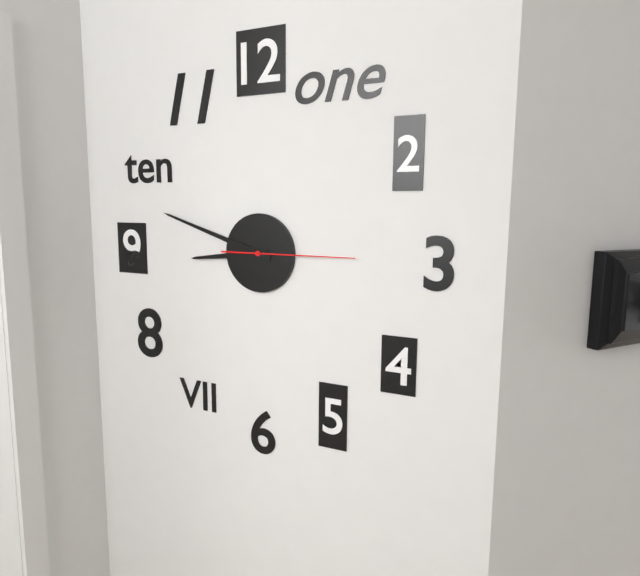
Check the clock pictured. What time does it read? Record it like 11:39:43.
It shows 8:48:15
